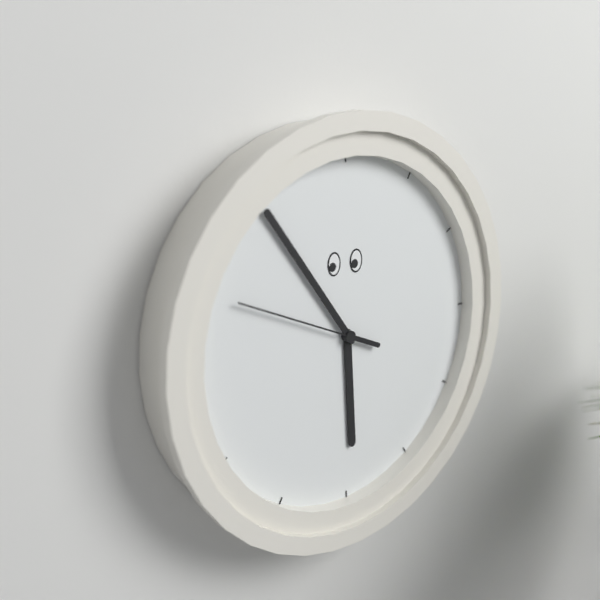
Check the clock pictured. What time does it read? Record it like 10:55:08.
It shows 5:54:49
